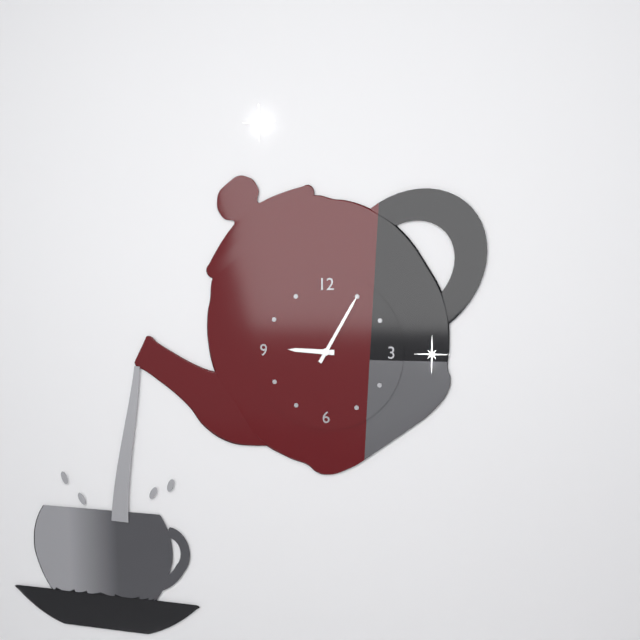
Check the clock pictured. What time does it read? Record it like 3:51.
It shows 9:05
